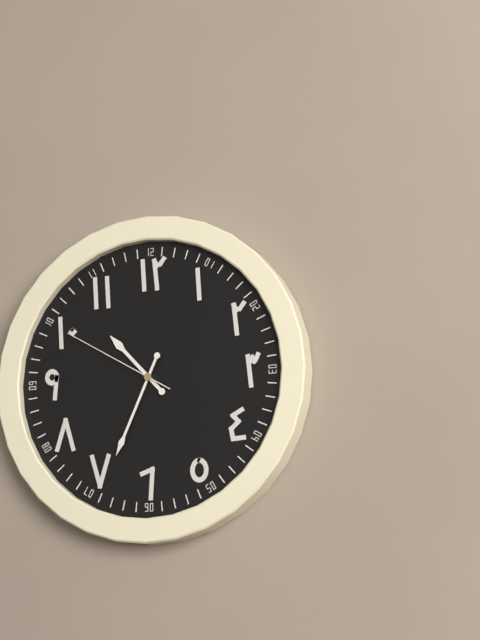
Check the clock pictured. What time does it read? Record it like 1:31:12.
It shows 10:34:50
